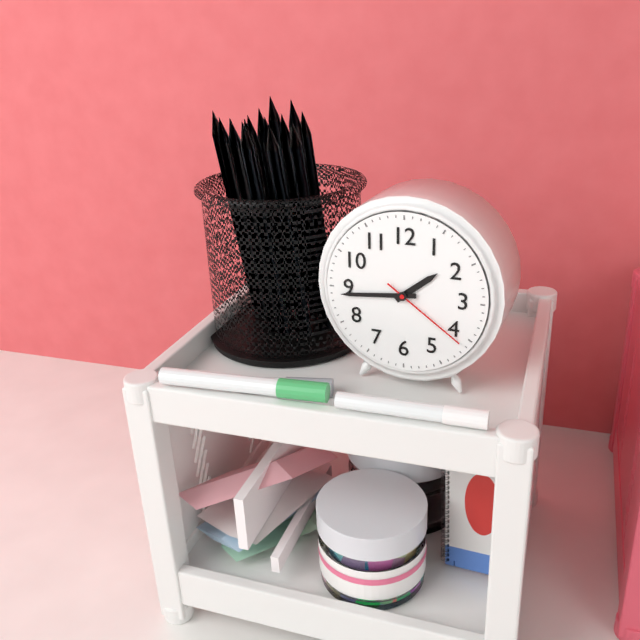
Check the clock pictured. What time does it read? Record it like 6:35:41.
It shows 1:44:21
